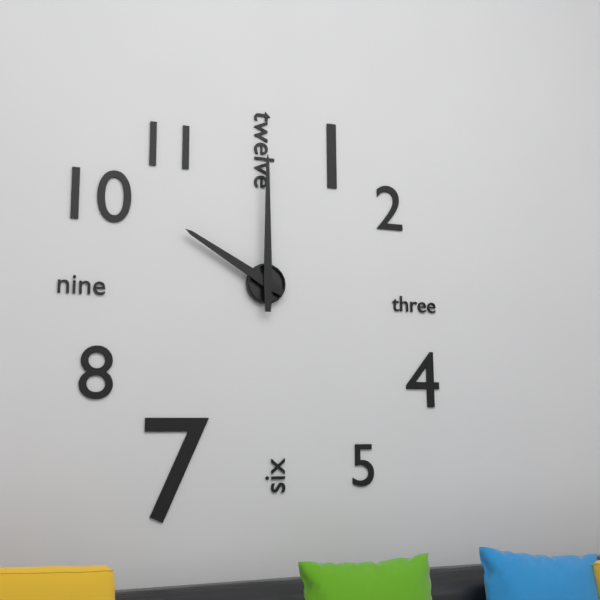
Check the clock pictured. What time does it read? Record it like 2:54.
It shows 10:00
